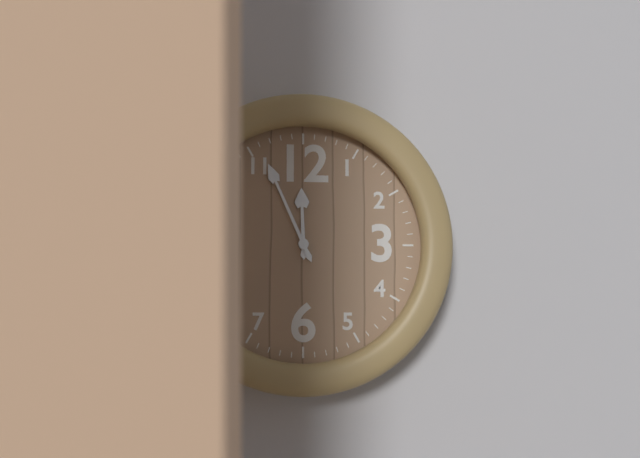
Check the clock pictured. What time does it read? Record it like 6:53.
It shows 11:56
